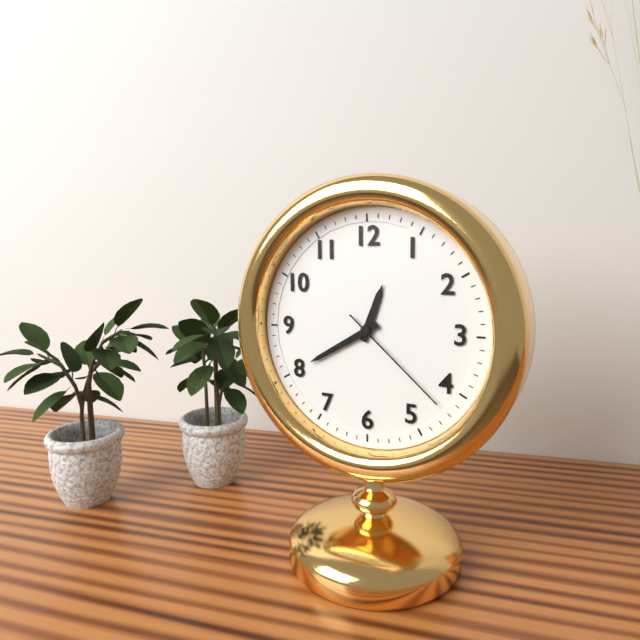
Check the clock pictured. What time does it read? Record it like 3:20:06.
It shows 12:40:22
